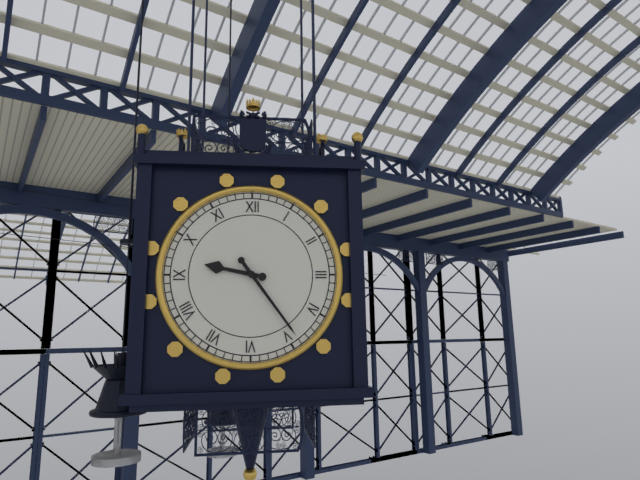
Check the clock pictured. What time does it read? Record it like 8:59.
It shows 9:24
